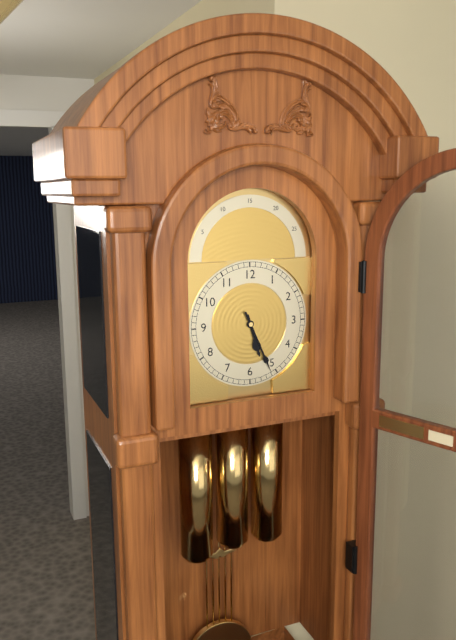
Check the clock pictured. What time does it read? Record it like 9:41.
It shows 5:26
